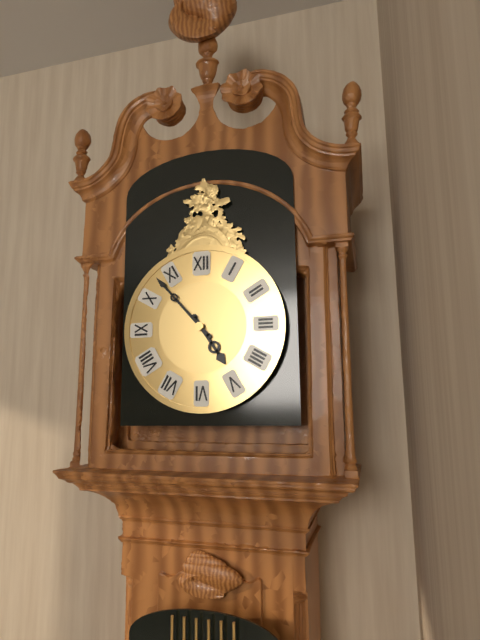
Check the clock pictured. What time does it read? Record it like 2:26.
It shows 4:53
